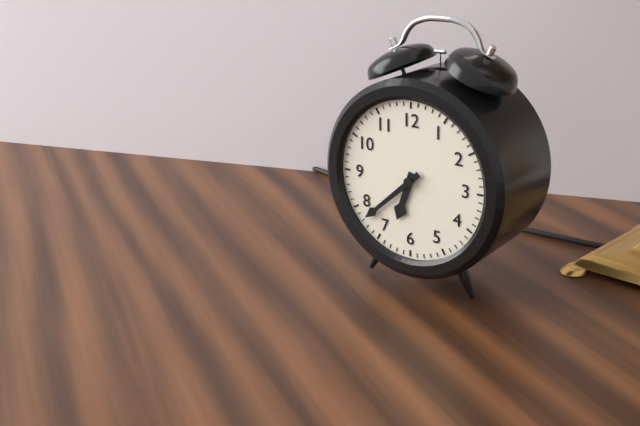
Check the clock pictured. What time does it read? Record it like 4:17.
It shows 6:38
